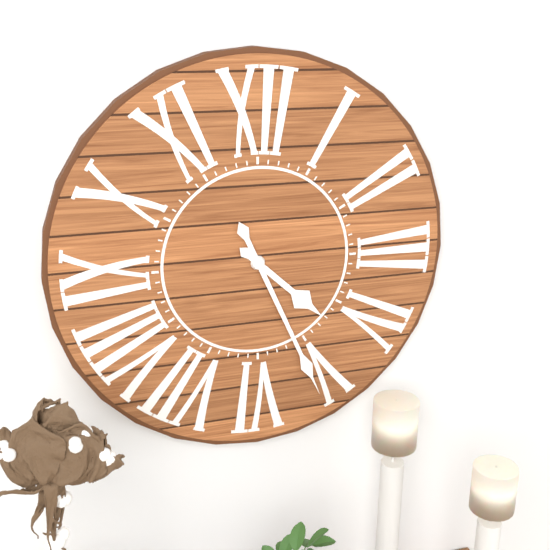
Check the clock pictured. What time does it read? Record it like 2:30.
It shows 4:26
